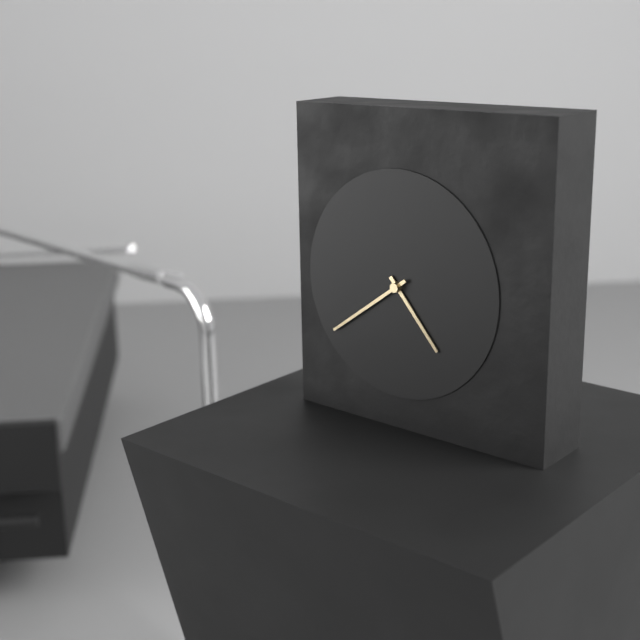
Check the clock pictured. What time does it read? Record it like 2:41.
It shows 4:39
